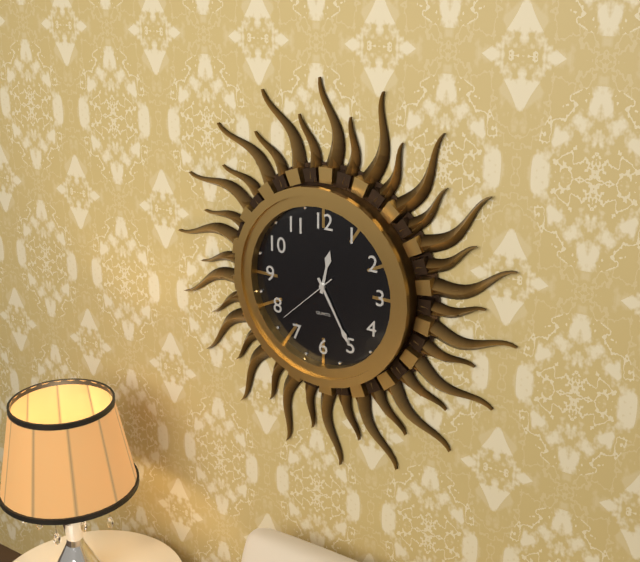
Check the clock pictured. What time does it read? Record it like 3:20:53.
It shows 12:25:38
